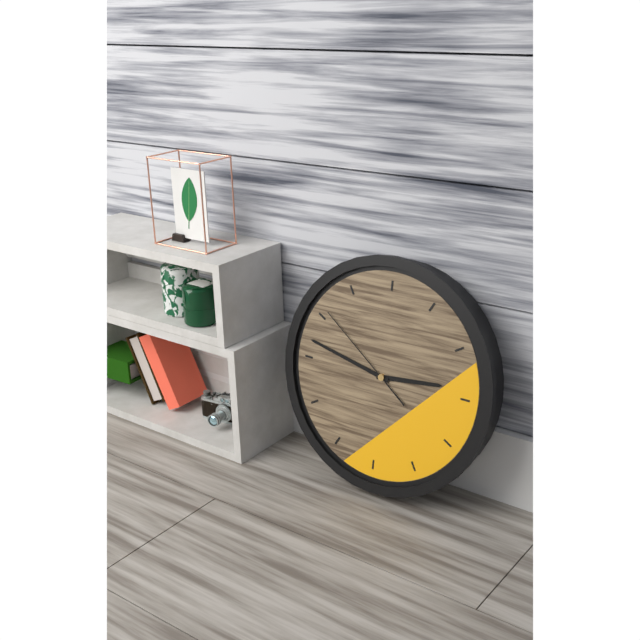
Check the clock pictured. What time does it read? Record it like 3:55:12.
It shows 2:47:51
